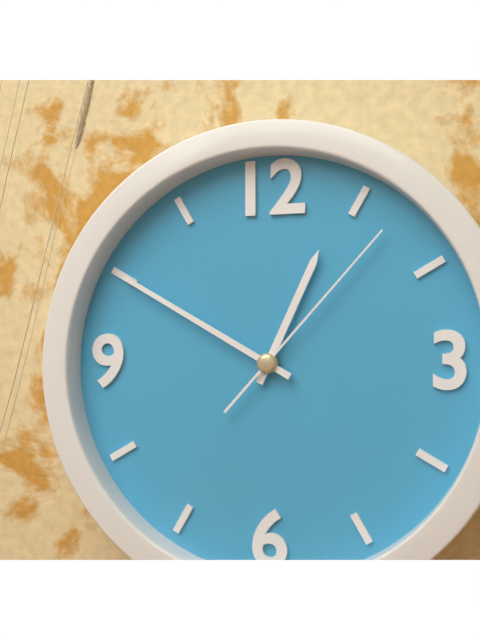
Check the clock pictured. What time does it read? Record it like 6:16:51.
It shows 12:50:07
